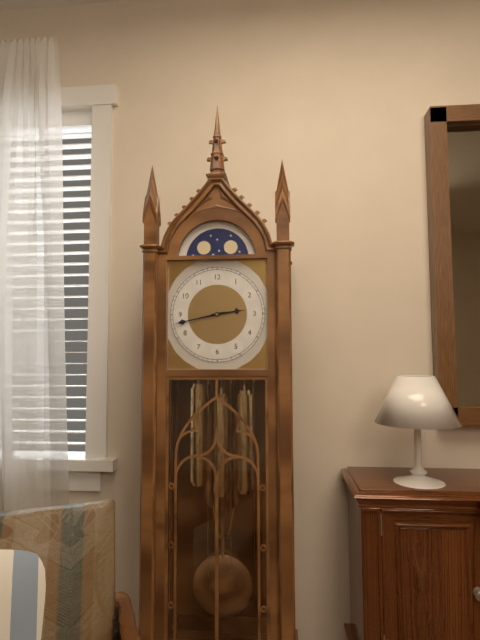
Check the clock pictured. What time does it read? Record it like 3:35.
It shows 2:43
